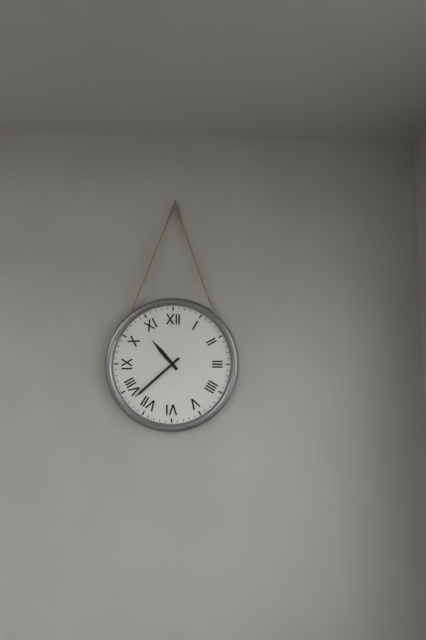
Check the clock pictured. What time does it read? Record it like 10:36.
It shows 10:38
